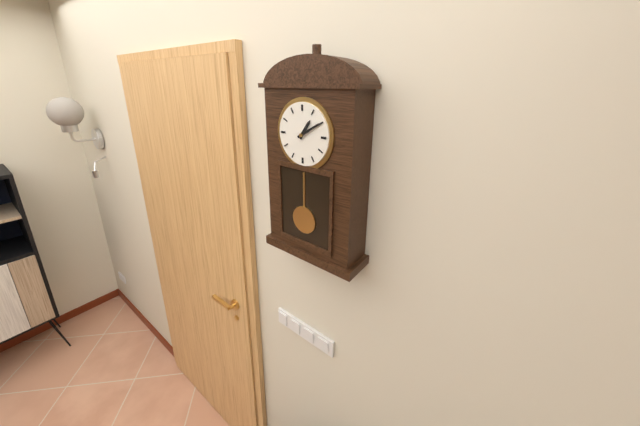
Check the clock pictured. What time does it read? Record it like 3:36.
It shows 1:10
